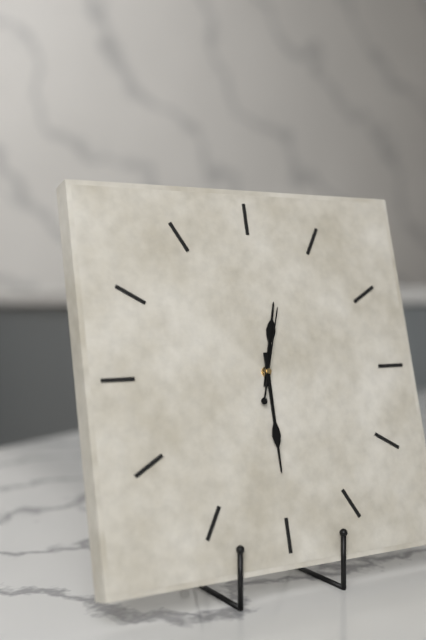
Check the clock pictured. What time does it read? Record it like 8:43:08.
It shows 12:30:03
